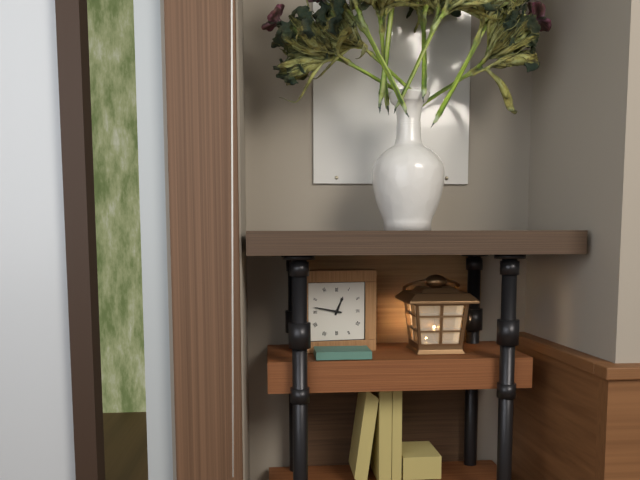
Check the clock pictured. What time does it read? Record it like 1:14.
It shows 12:47
